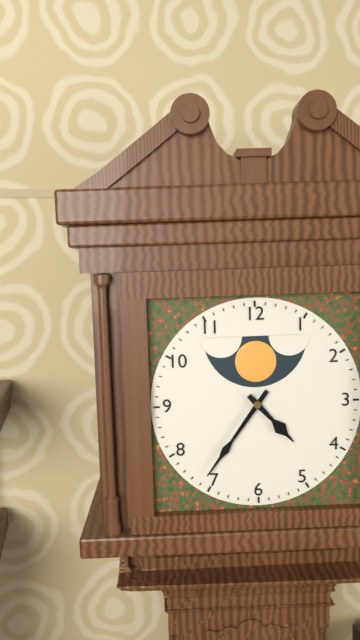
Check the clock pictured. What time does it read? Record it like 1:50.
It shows 4:36
